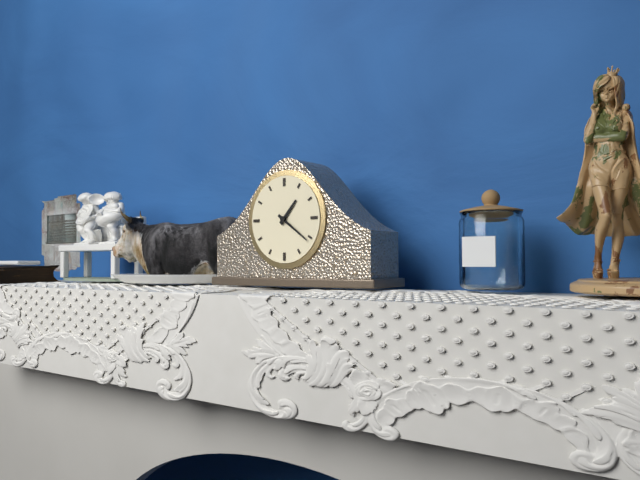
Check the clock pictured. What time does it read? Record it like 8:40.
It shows 1:21
